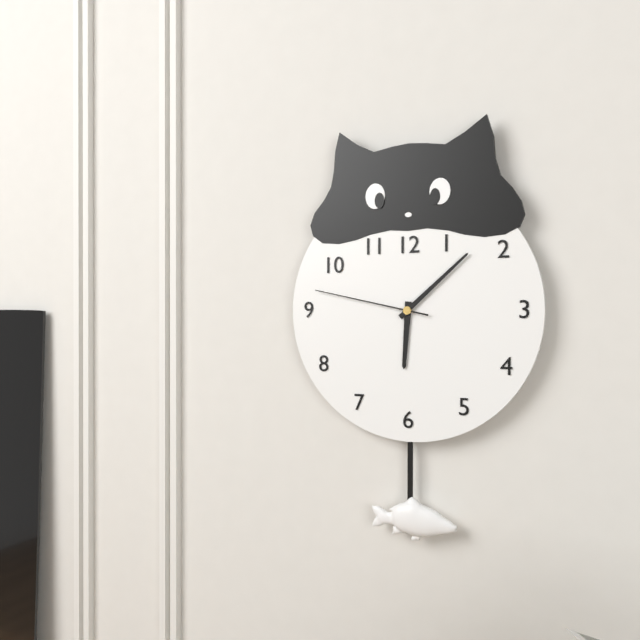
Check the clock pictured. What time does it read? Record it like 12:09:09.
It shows 6:08:47
